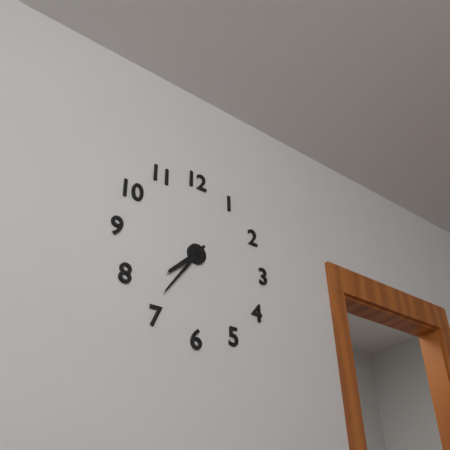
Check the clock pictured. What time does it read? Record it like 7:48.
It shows 7:36
